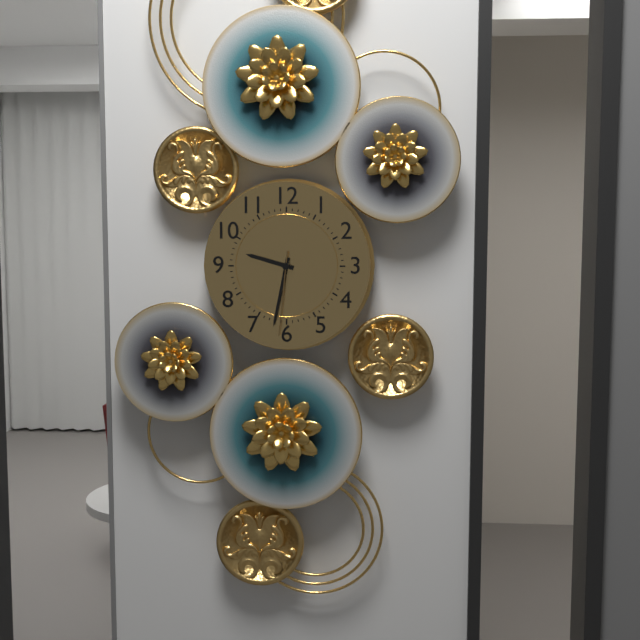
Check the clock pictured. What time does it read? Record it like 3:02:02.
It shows 9:32:31
